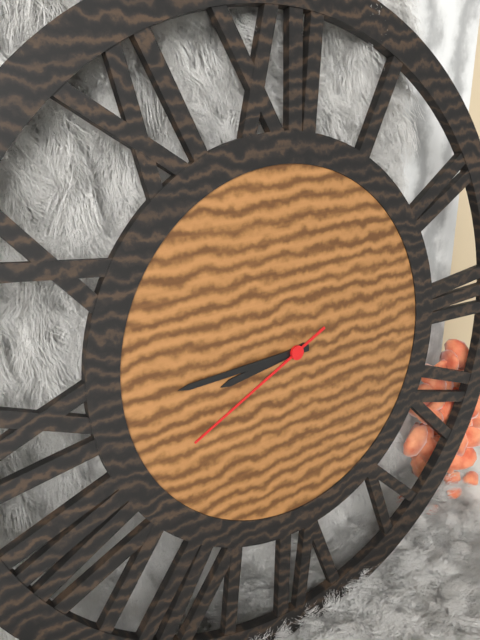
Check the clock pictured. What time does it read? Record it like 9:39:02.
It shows 8:45:41
